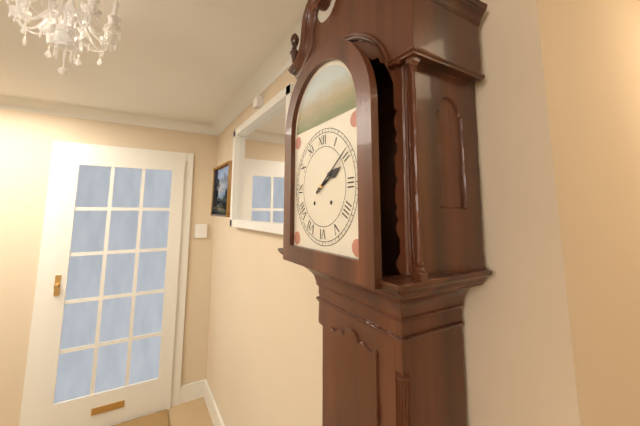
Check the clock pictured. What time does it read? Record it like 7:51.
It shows 2:09
